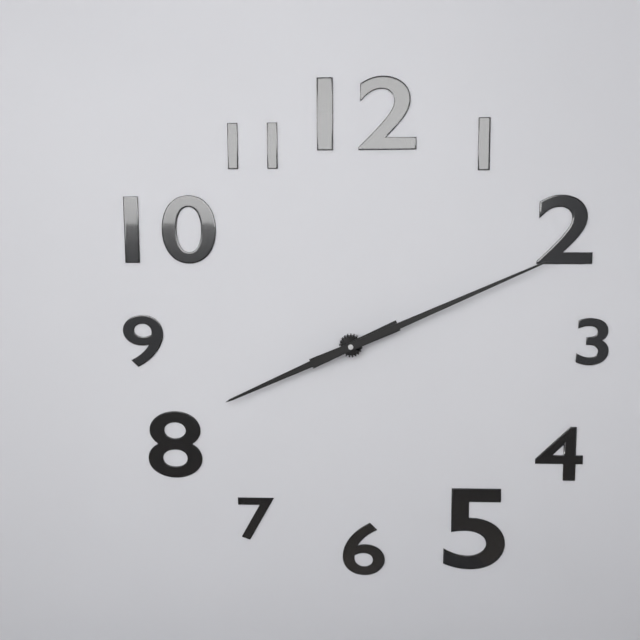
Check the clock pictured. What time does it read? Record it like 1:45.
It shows 8:11
